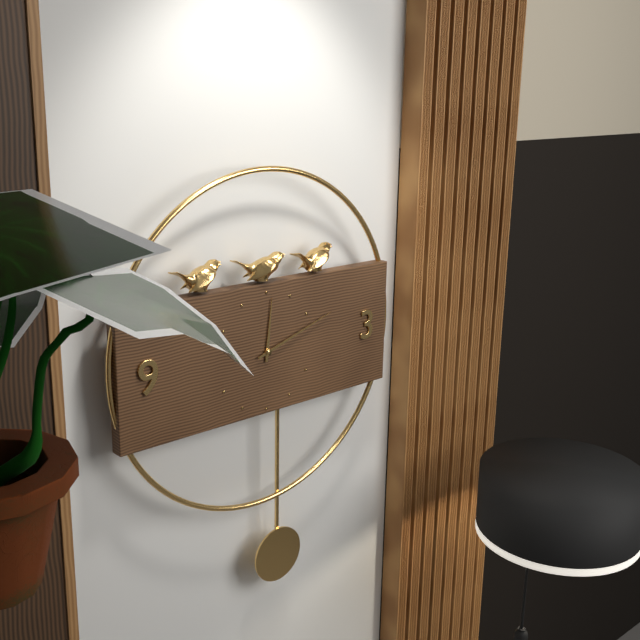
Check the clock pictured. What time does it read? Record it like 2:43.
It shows 12:12
